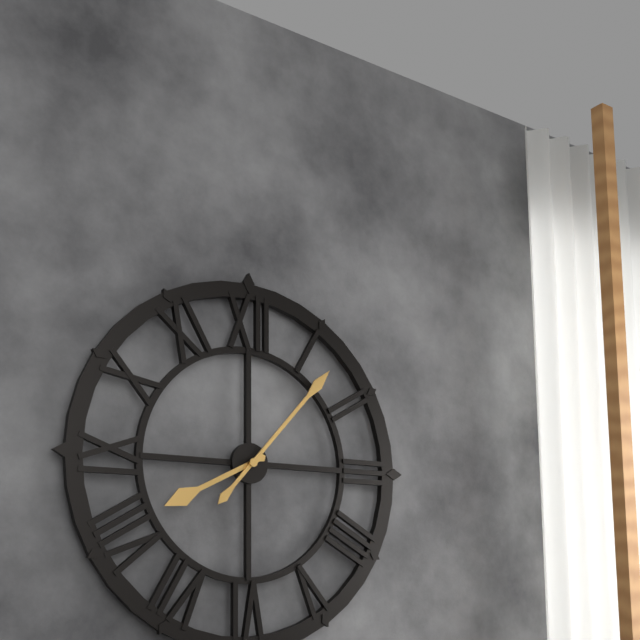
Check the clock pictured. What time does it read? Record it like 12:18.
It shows 8:07
